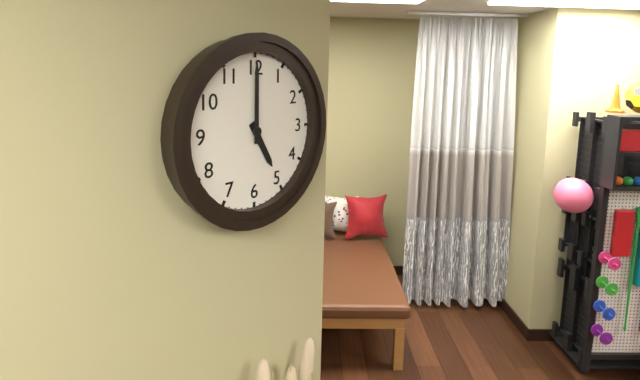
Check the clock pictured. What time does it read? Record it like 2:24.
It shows 5:00
